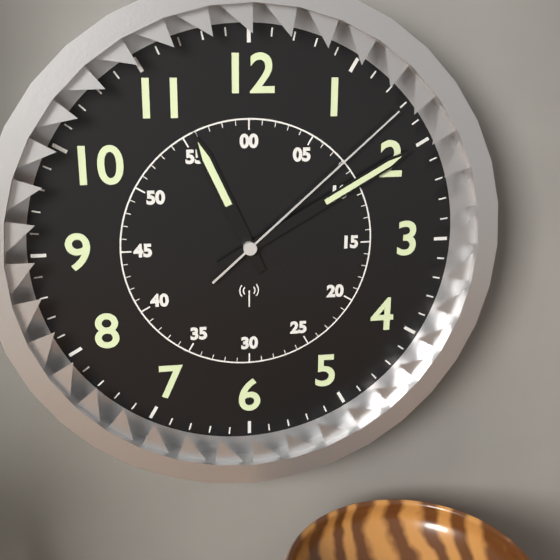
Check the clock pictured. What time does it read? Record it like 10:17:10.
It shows 11:10:08
